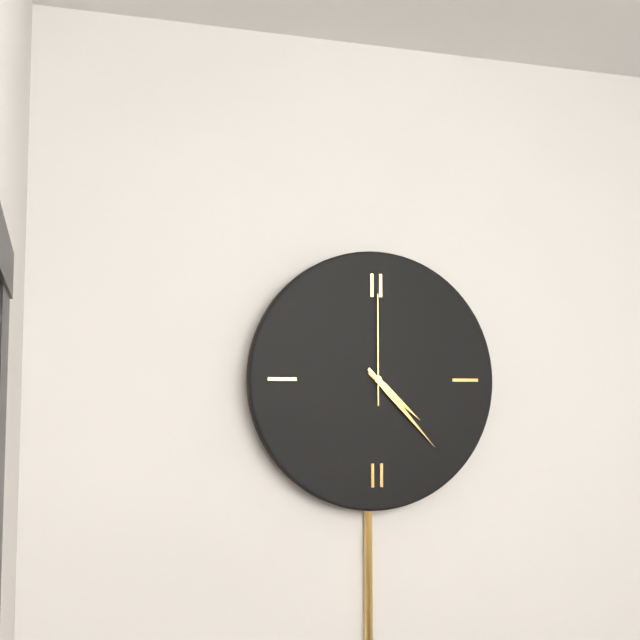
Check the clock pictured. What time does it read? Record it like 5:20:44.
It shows 4:23:00
